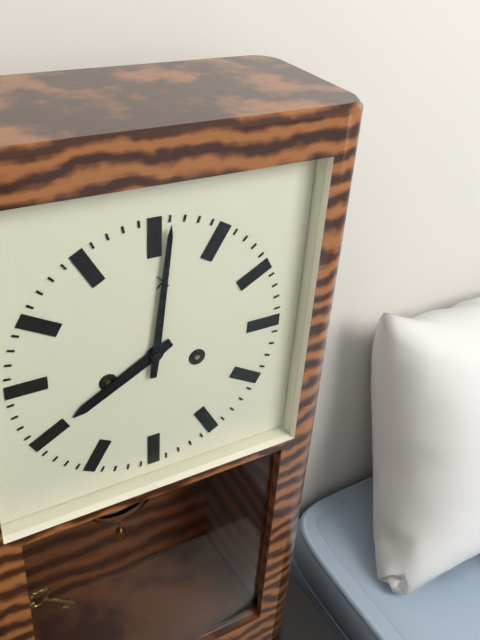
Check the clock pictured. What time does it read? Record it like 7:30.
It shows 8:01
